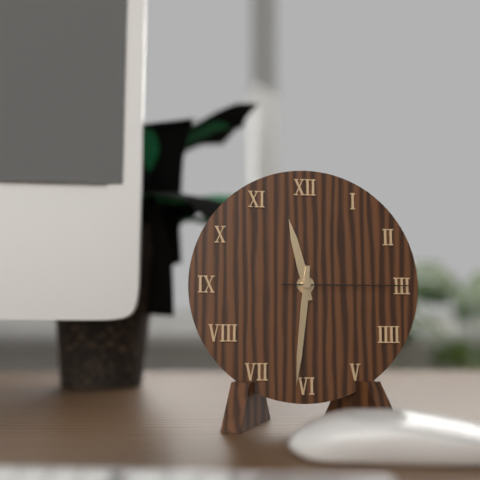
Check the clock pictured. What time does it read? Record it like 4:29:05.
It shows 11:31:15
